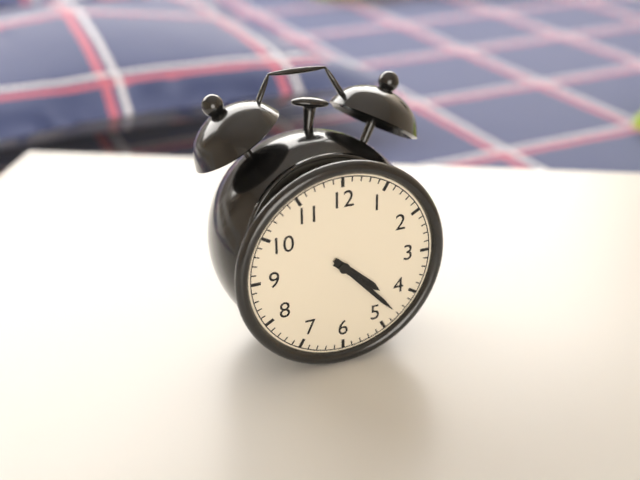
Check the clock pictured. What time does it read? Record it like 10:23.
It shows 4:23
